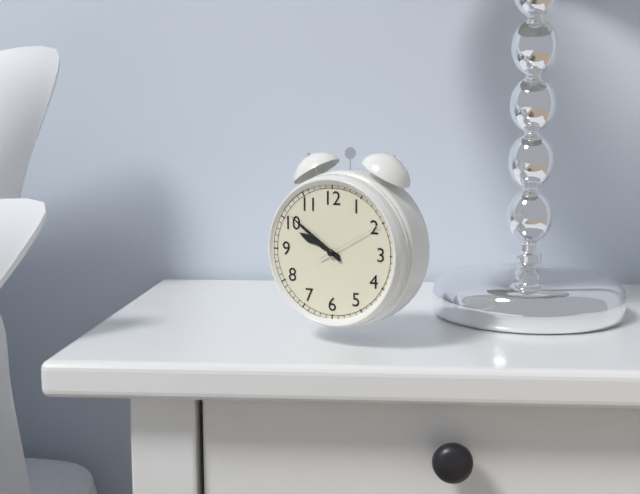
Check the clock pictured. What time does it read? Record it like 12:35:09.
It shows 9:51:10
